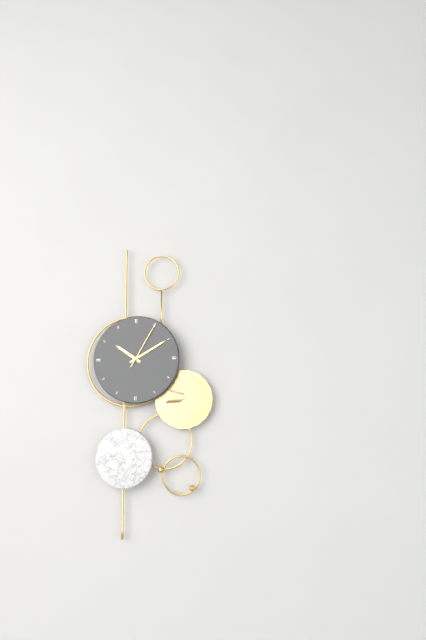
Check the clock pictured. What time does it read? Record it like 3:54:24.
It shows 10:10:05
